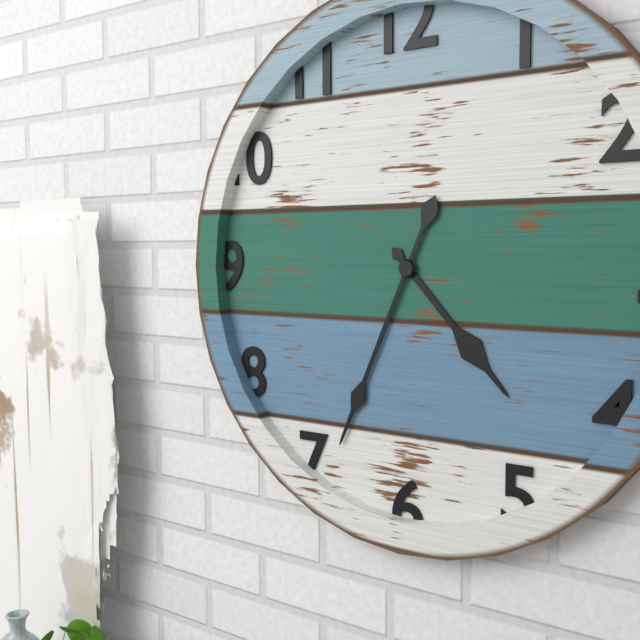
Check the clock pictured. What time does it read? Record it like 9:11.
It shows 4:34
